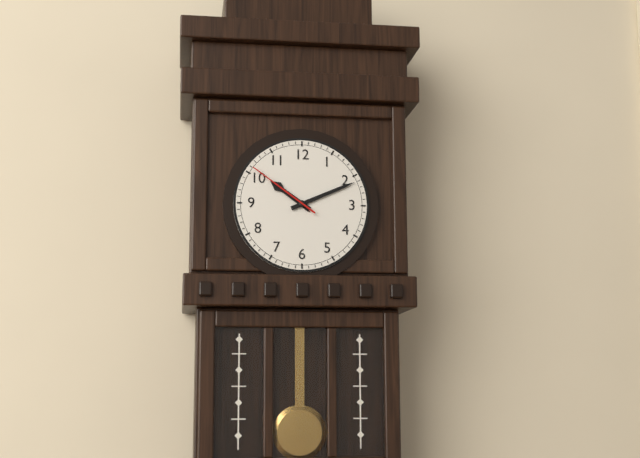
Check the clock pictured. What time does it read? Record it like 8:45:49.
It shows 10:11:51
